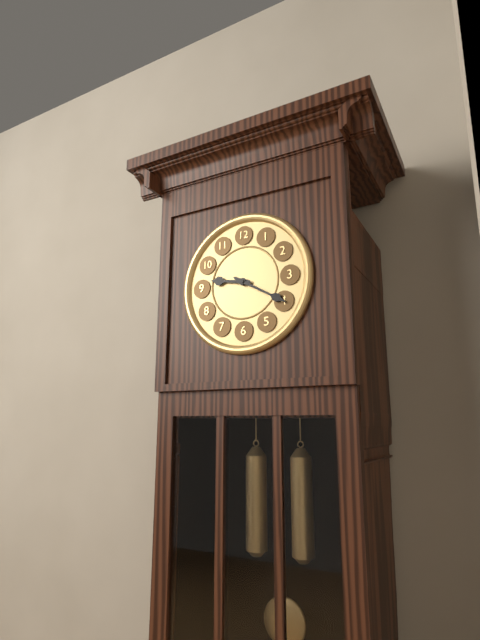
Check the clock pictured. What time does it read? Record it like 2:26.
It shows 9:20
